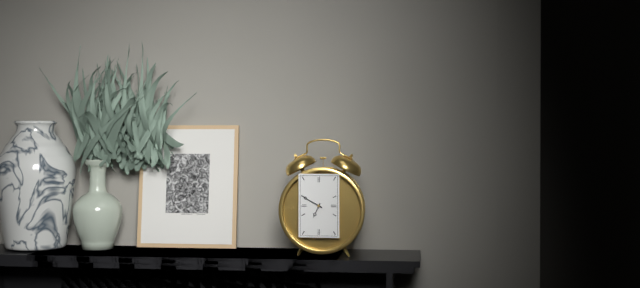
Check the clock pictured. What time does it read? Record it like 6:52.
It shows 6:50
